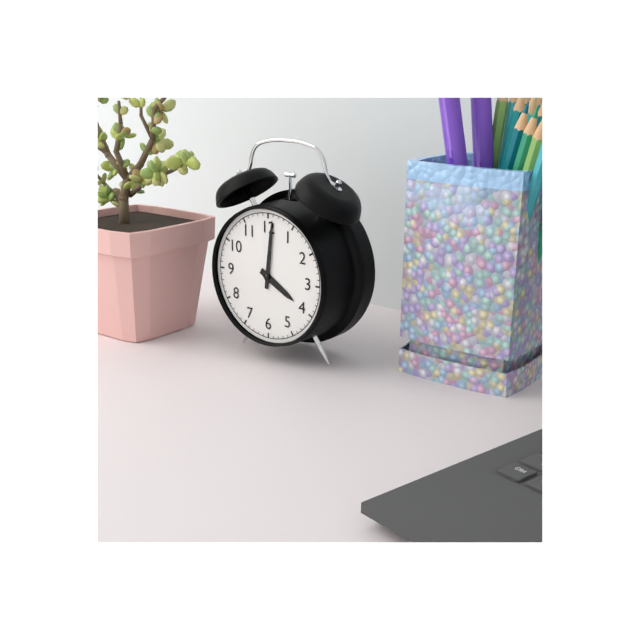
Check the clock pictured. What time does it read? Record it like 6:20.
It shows 4:01
